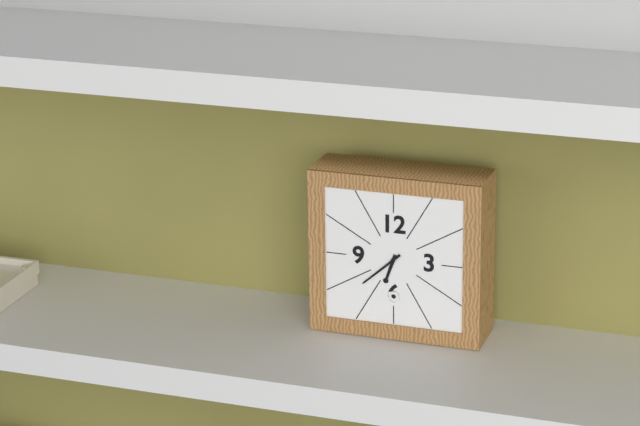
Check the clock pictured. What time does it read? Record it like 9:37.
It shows 6:38
